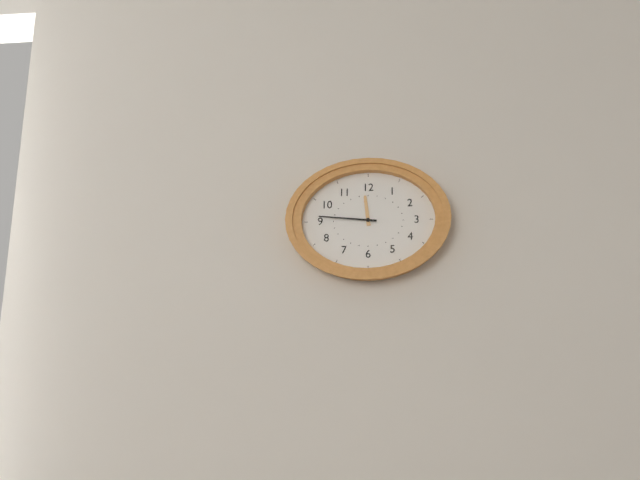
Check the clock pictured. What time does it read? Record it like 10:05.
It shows 11:46
